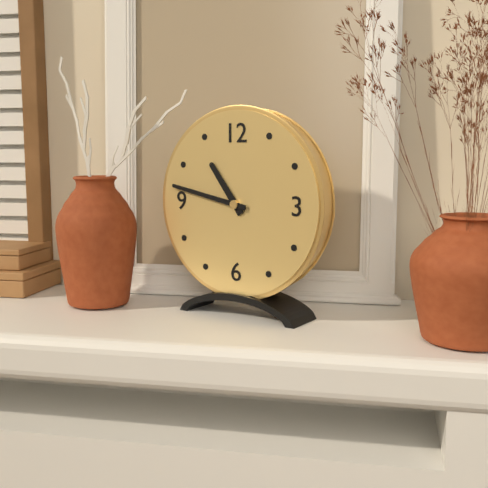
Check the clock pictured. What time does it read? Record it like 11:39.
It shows 10:47
